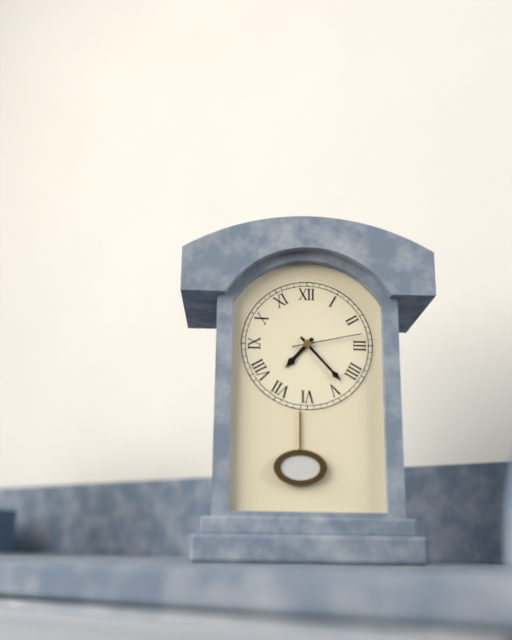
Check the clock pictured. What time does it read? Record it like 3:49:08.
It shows 7:23:13
